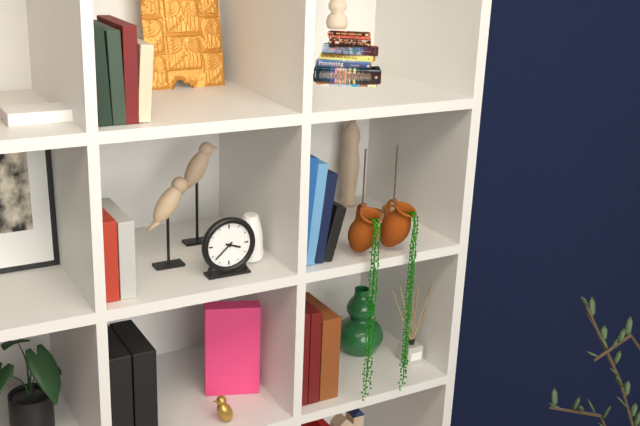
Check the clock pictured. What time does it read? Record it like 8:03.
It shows 3:38
